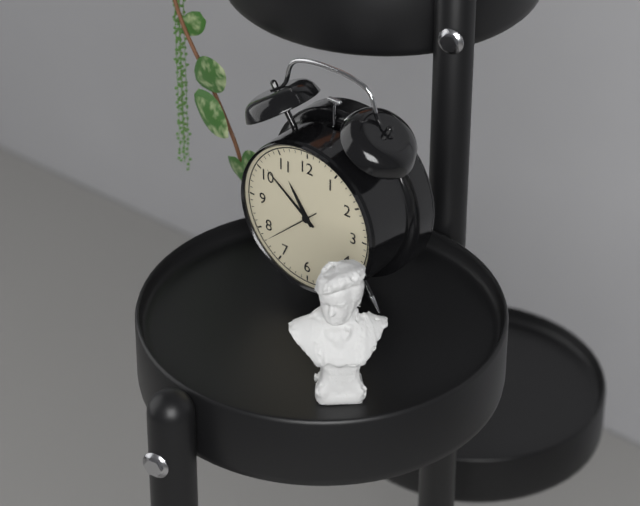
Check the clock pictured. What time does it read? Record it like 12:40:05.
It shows 10:51:38
